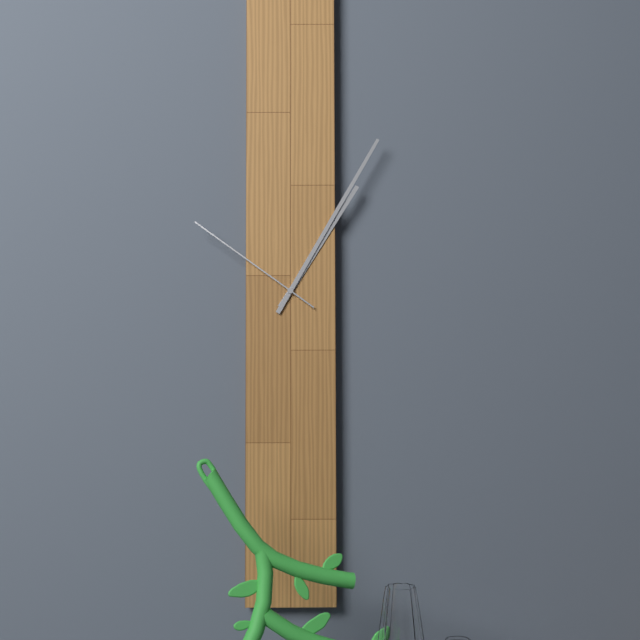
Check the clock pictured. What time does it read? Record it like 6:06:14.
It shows 1:05:51
